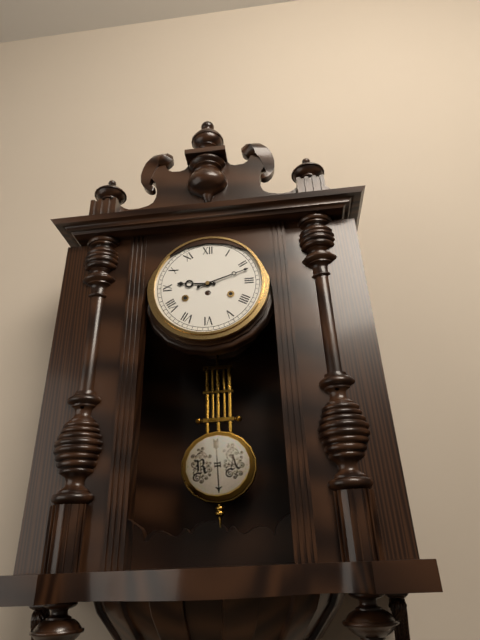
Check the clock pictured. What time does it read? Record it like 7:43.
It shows 9:12
